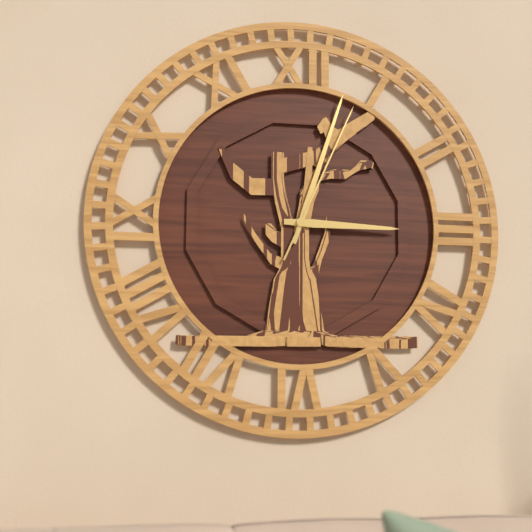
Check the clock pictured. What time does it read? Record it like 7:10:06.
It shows 3:03:04
